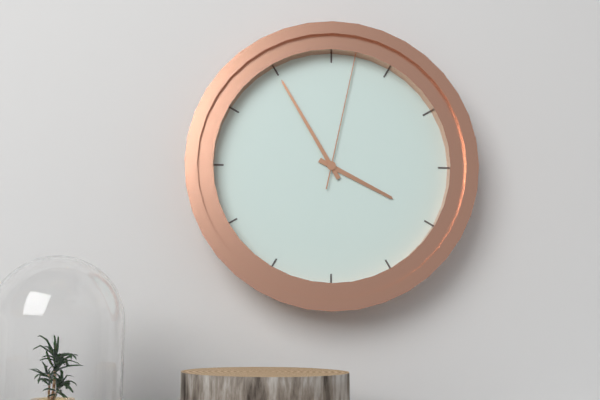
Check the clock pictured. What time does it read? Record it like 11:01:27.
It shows 3:55:02
